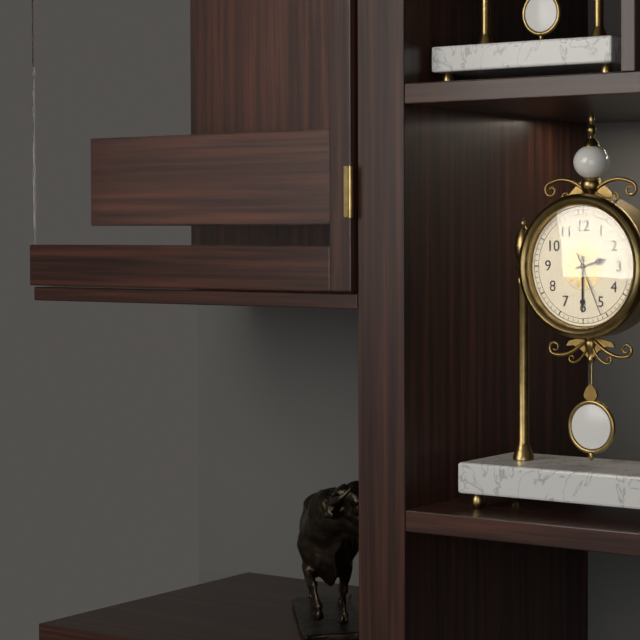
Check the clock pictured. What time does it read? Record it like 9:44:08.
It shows 2:30:26
